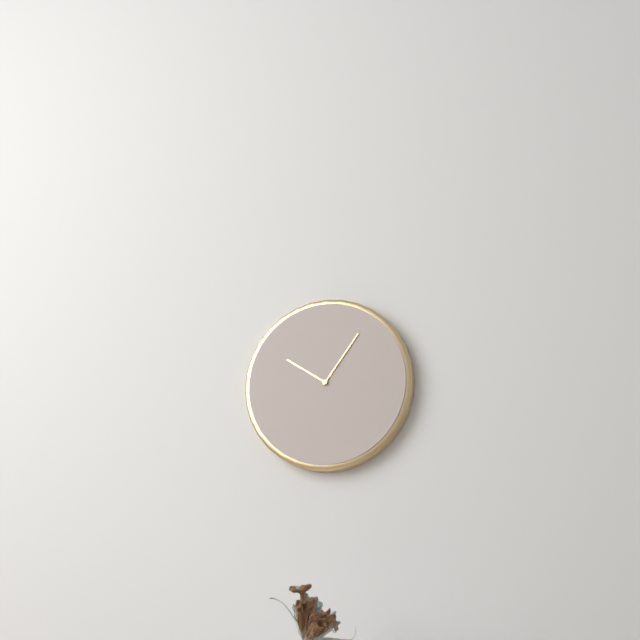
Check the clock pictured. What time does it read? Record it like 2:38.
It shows 10:06
